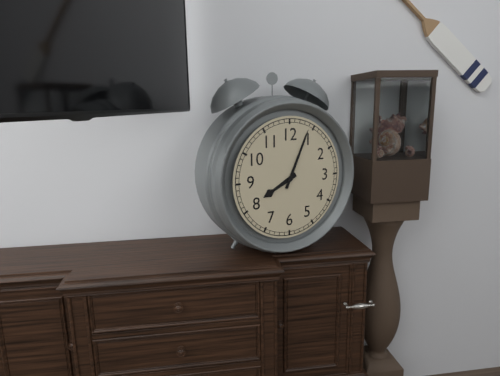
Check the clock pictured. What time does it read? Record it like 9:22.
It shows 8:04
